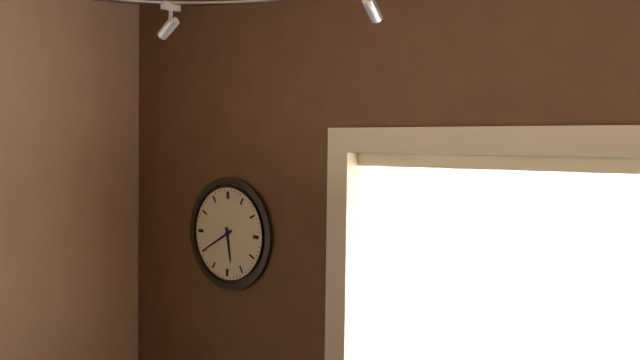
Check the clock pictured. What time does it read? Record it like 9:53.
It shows 5:40
